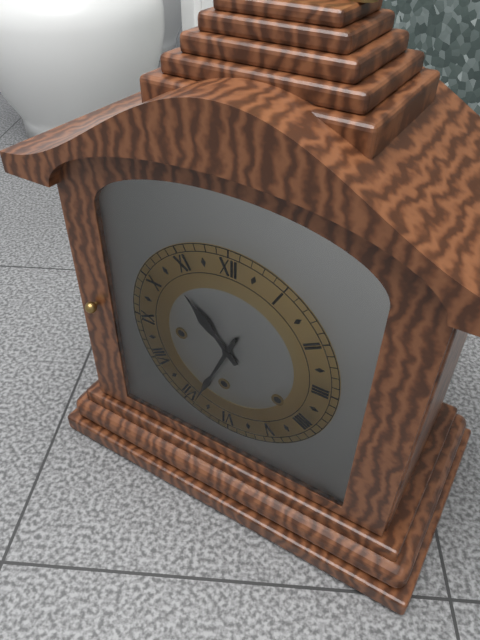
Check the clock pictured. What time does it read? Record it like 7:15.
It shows 10:34
